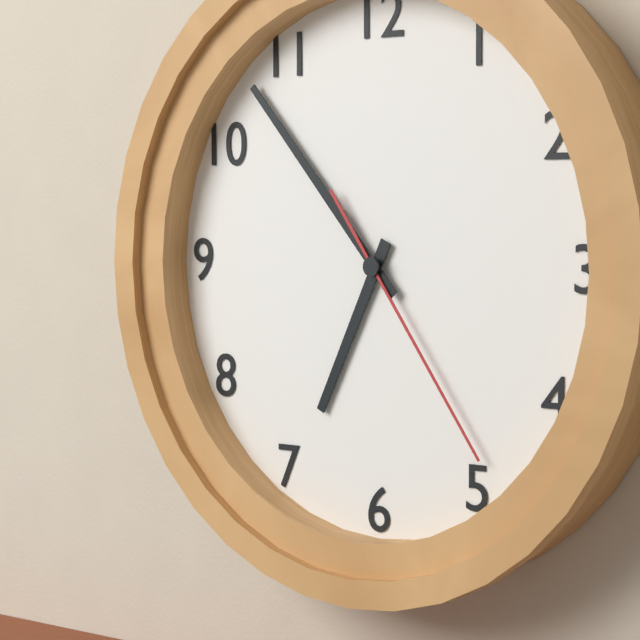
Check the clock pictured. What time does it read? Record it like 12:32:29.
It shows 6:53:24
